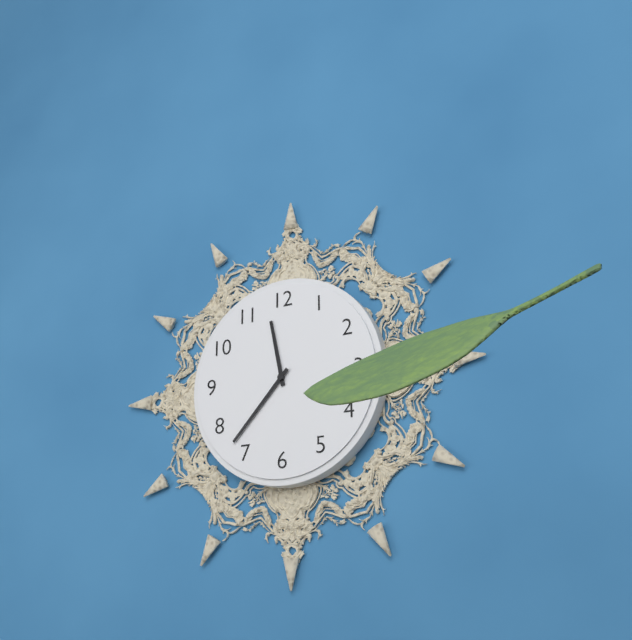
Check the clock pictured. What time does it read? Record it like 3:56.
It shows 11:37
